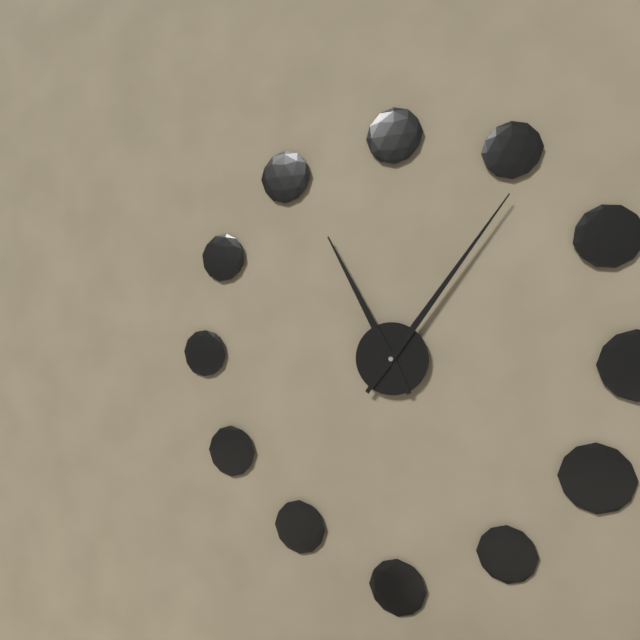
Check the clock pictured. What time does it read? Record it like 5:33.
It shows 11:06
